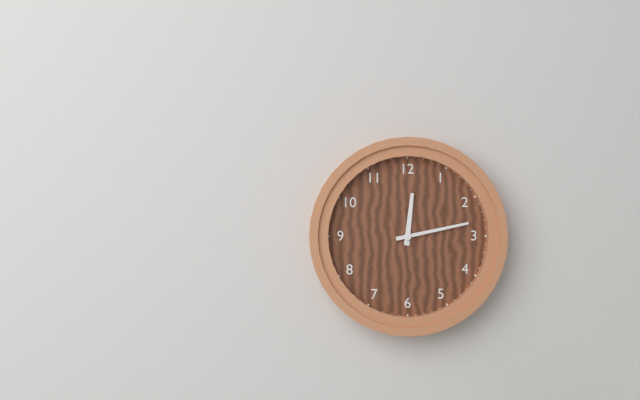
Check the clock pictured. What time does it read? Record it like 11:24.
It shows 12:13
